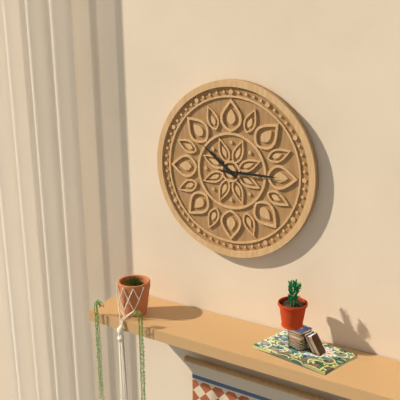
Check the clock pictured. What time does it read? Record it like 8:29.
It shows 10:15
